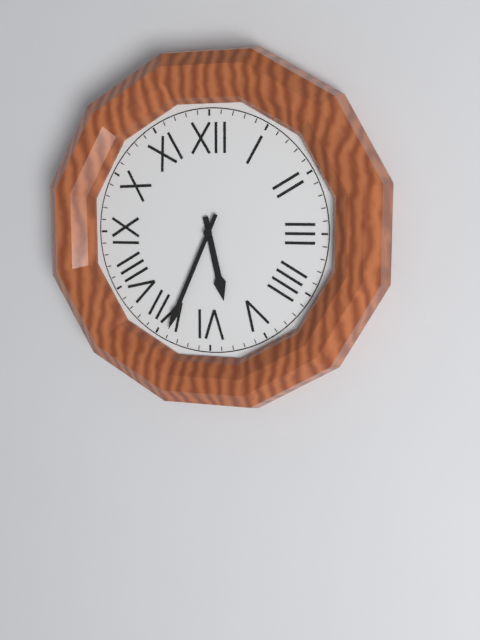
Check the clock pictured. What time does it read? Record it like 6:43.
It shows 5:34
